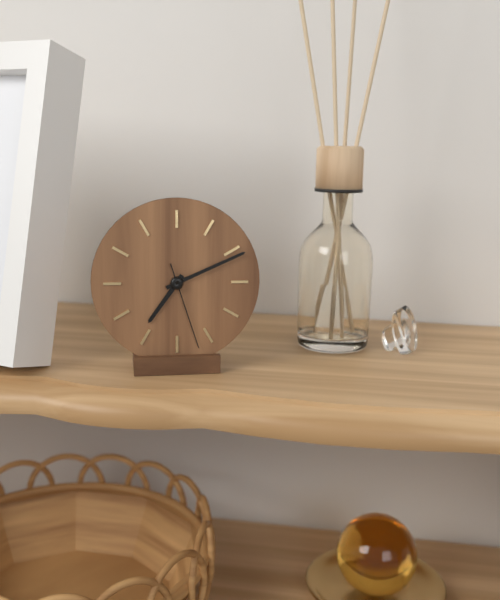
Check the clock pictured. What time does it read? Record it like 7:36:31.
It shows 7:11:27
